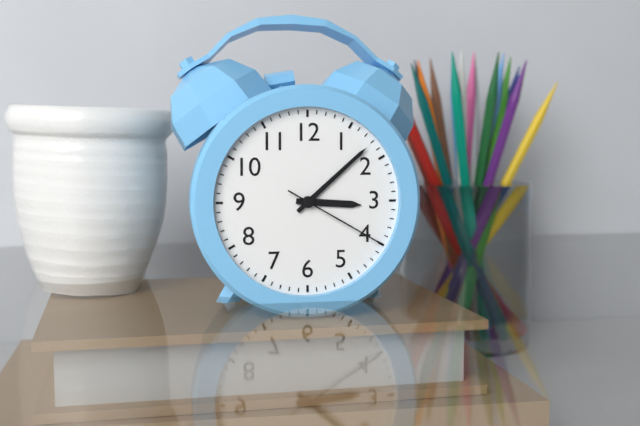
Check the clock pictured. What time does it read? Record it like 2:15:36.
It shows 3:08:20
